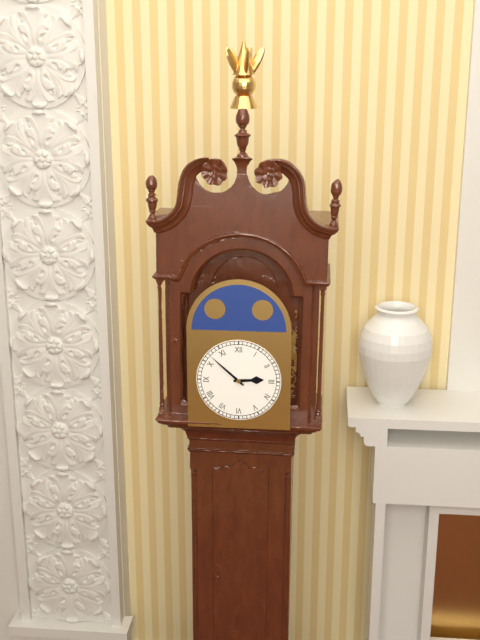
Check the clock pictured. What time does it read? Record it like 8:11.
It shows 2:52
